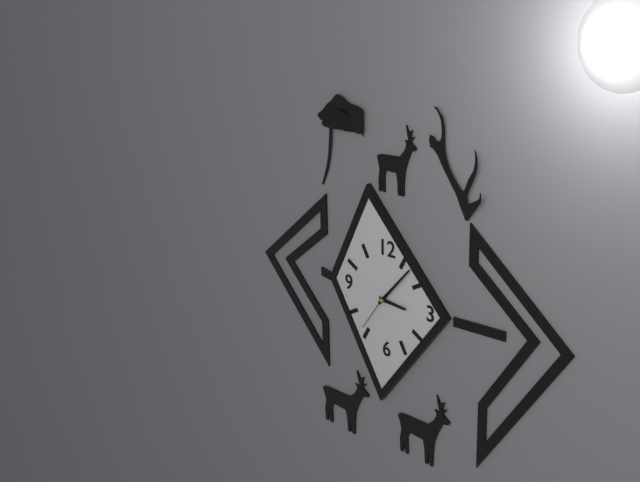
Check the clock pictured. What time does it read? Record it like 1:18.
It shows 3:07
